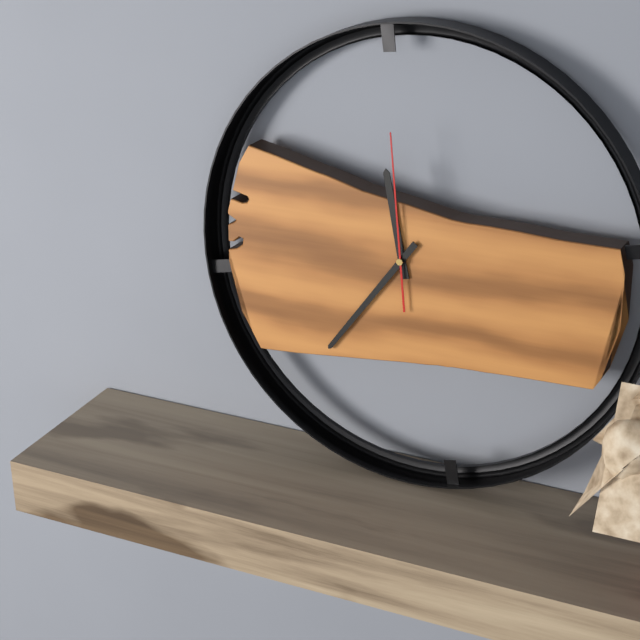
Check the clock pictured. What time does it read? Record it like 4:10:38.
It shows 11:36:59
